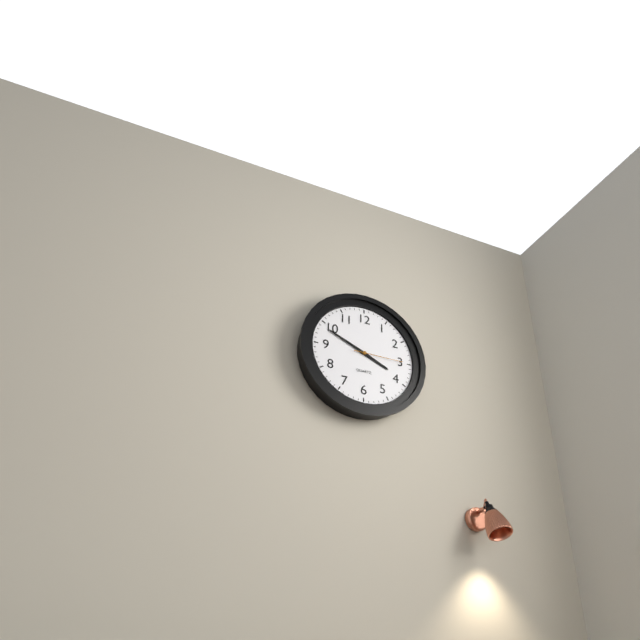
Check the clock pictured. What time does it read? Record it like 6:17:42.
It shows 3:49:15
